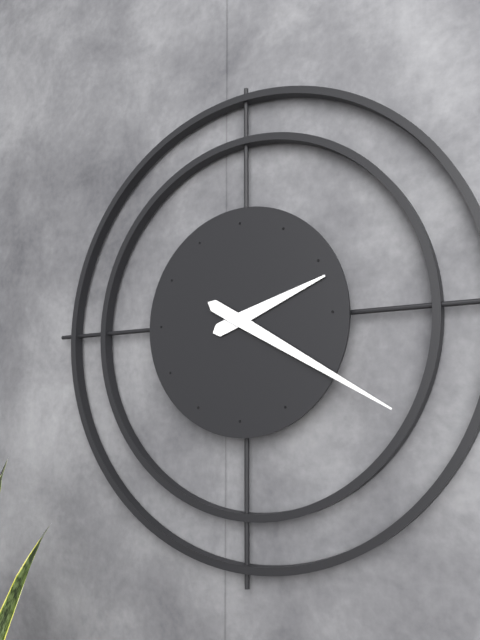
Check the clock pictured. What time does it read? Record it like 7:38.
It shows 2:20
